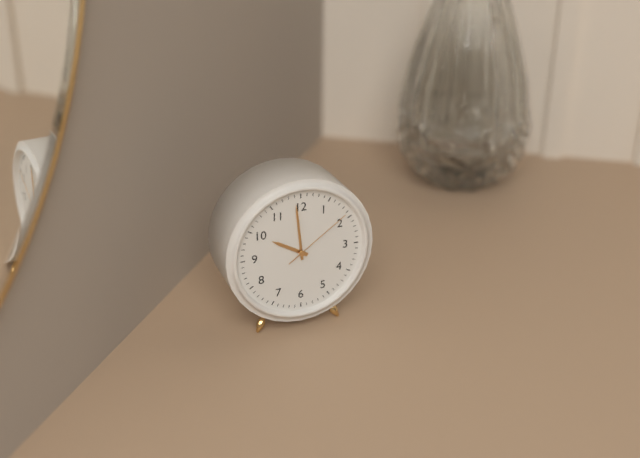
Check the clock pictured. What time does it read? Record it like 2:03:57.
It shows 9:59:09
